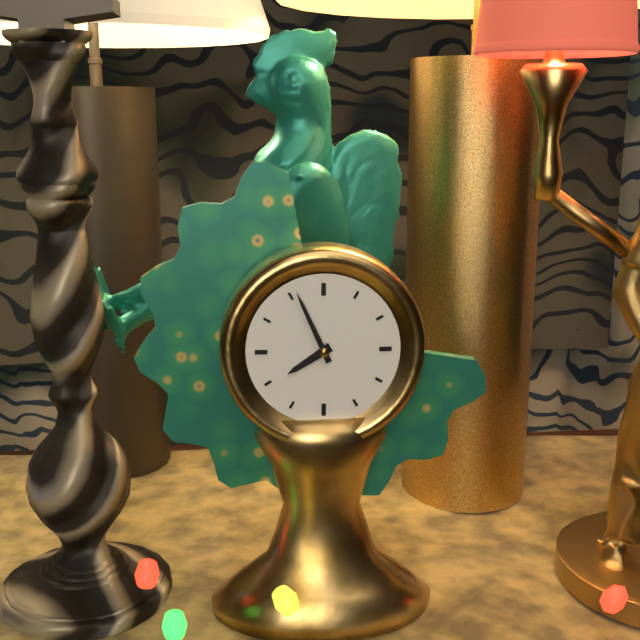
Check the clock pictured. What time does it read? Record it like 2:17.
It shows 7:56
